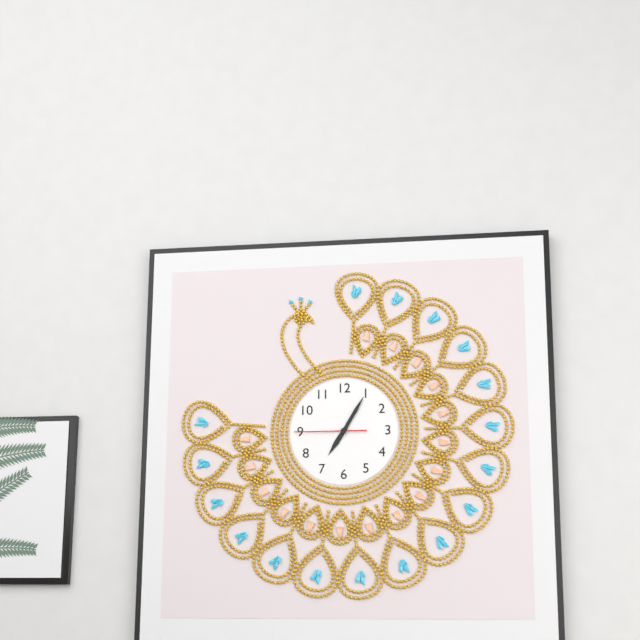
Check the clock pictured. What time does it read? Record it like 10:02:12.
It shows 7:05:45
